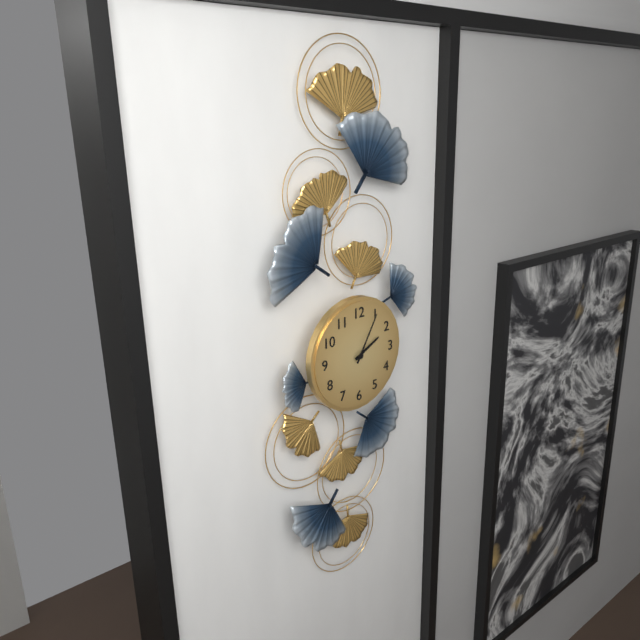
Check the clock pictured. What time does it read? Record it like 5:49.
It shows 2:05
